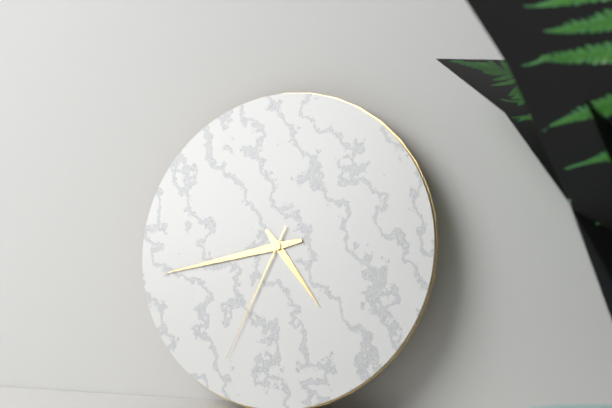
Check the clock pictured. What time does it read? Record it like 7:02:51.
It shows 4:43:34
